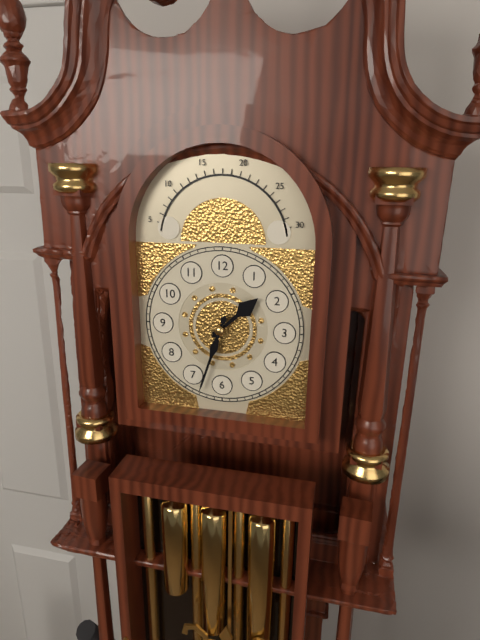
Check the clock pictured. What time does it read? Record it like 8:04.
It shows 1:33
